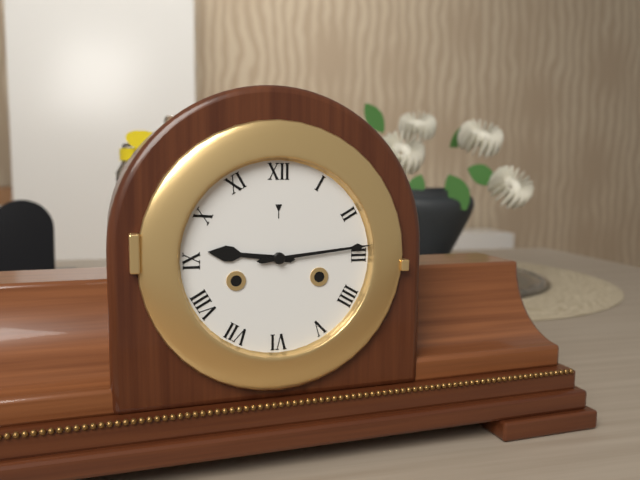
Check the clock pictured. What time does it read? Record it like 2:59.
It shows 9:14
